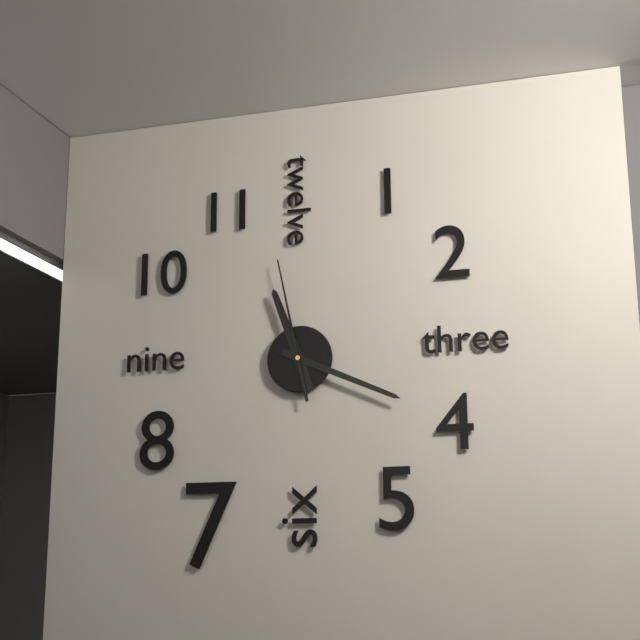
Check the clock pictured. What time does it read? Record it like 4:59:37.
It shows 11:19:58
